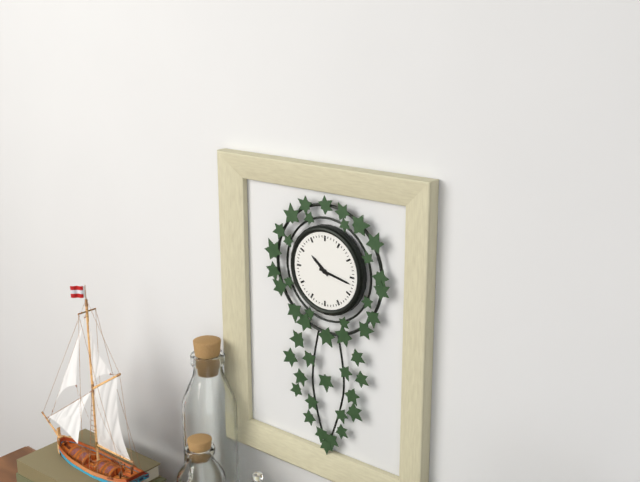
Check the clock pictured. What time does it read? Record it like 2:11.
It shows 10:17
